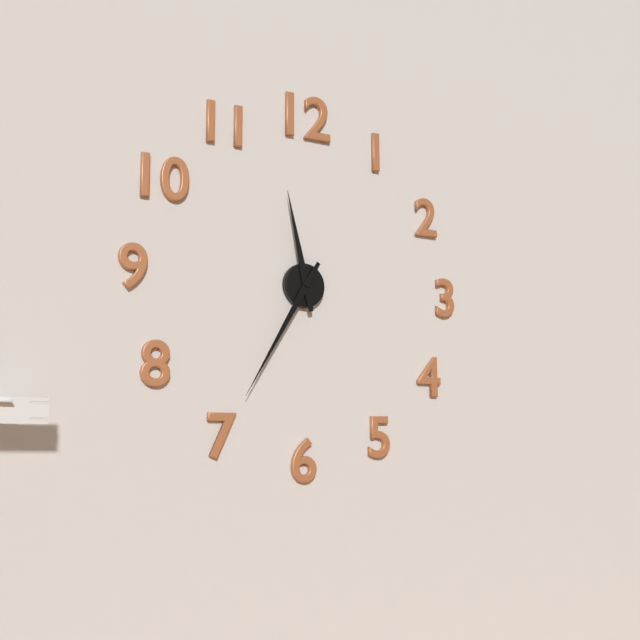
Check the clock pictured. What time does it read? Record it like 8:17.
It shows 11:35
